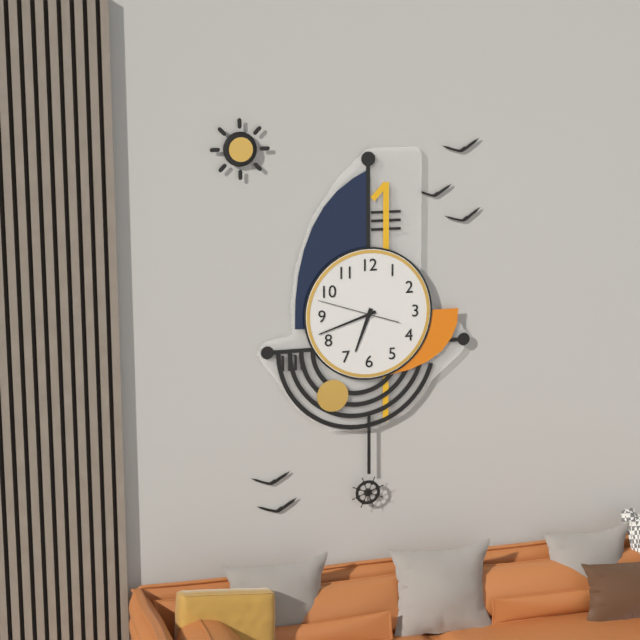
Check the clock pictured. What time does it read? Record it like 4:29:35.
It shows 6:42:48
